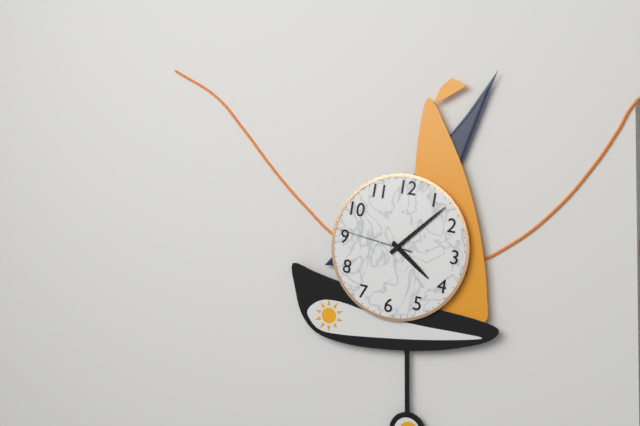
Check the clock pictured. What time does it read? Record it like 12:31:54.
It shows 4:07:46
